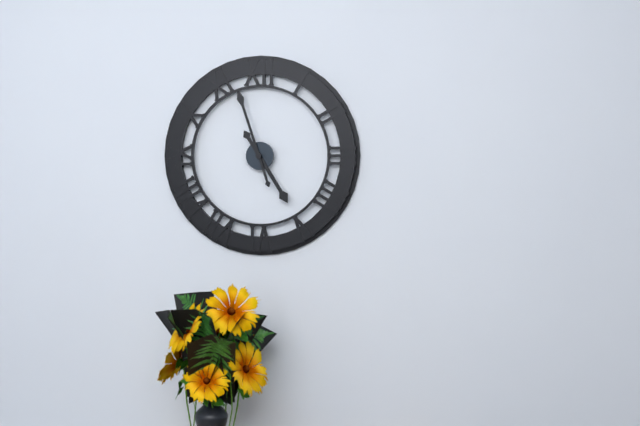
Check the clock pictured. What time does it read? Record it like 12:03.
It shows 4:57
